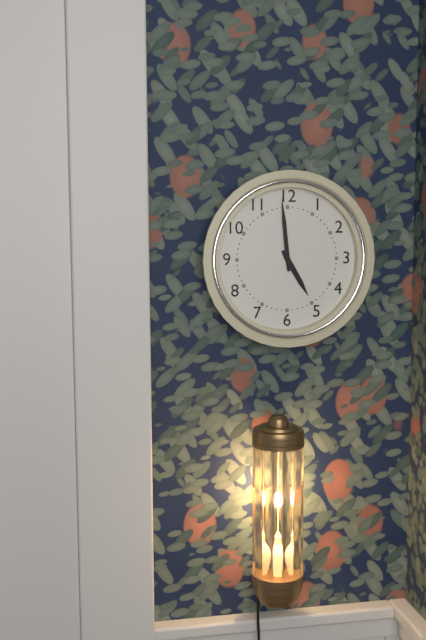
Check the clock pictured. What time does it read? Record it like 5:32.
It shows 4:59
